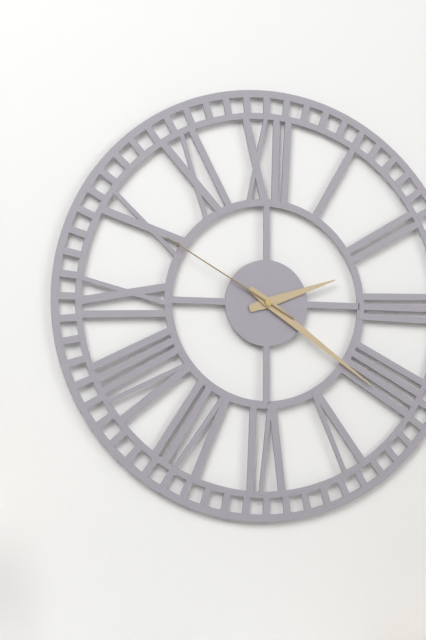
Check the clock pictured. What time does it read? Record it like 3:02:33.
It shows 2:21:50
